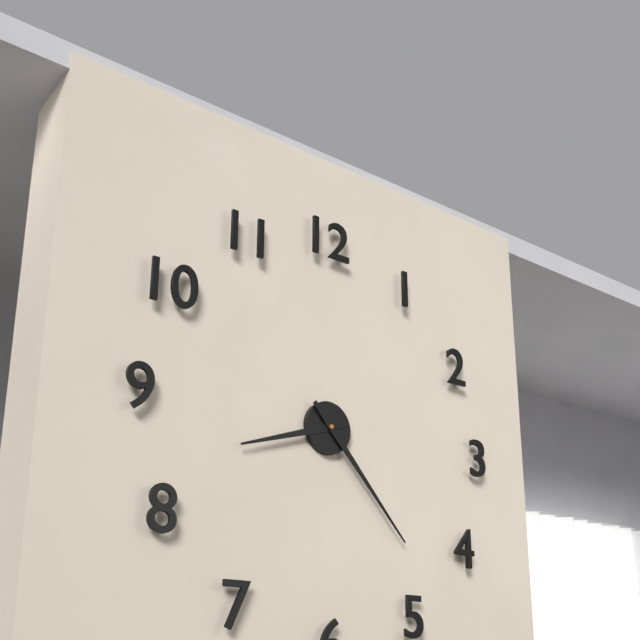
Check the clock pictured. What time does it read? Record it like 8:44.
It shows 8:23
